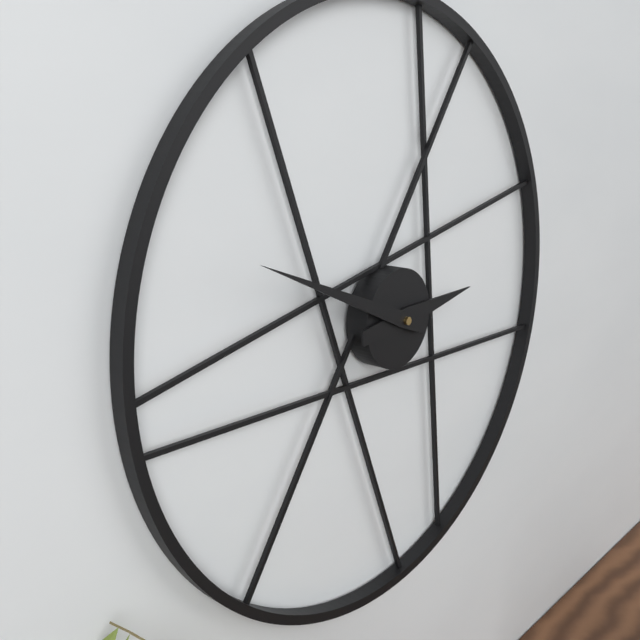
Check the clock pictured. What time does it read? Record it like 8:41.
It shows 2:49
